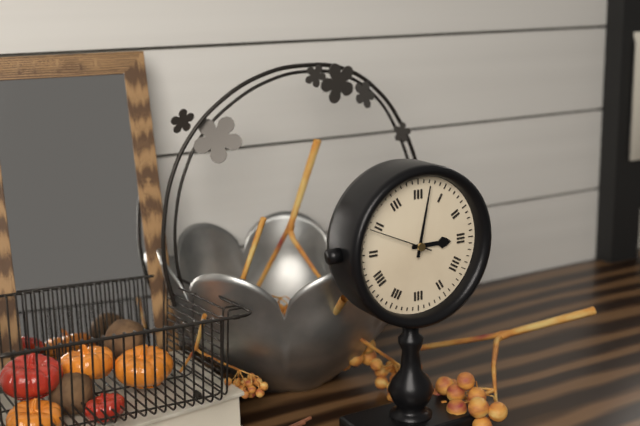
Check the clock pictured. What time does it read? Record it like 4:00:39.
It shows 3:02:49
